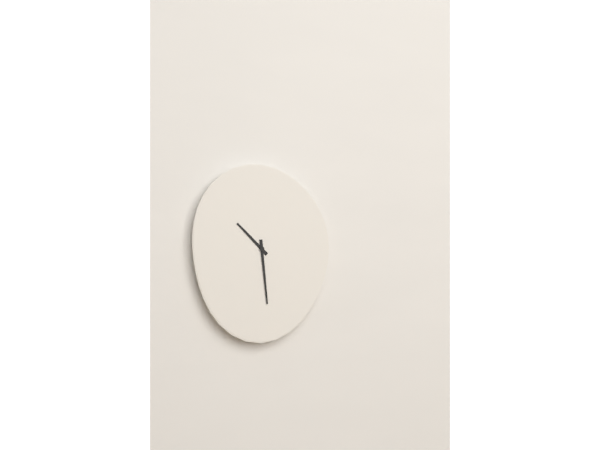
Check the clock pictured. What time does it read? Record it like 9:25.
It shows 10:29
